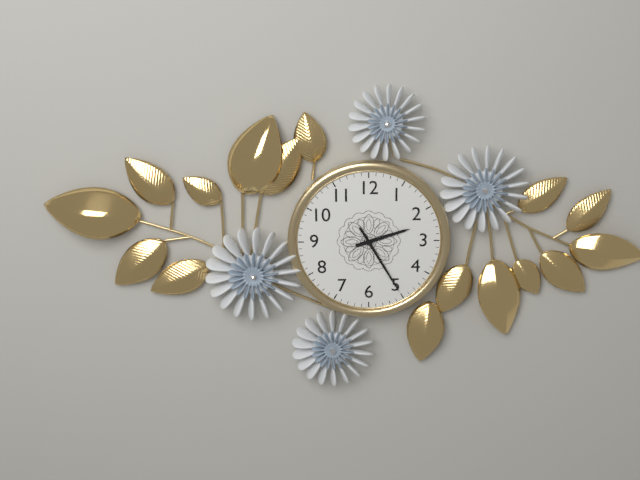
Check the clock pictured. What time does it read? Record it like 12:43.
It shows 2:25
